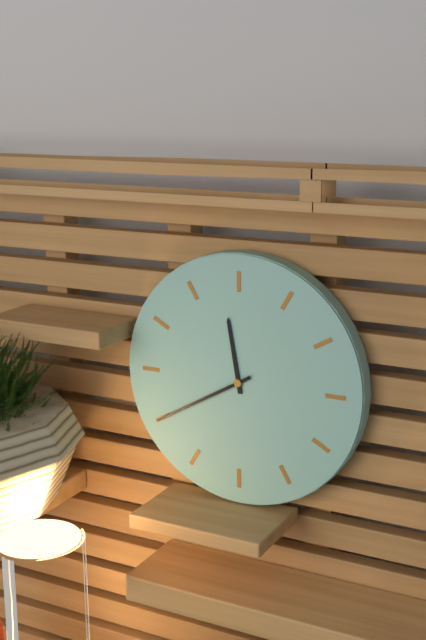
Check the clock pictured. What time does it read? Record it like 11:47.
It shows 11:40
